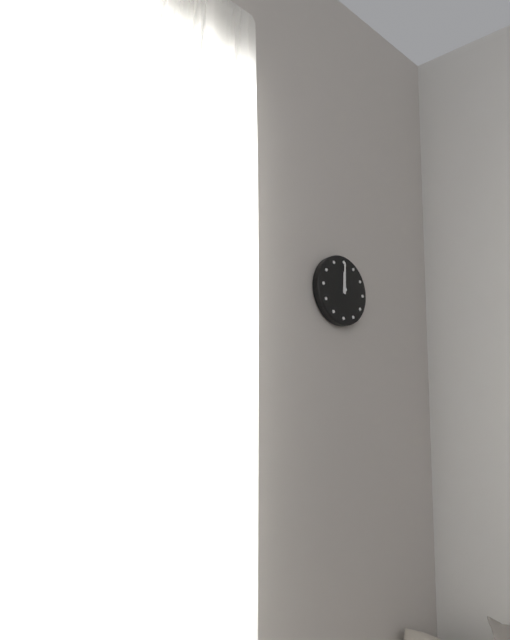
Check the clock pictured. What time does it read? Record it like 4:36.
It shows 12:00
